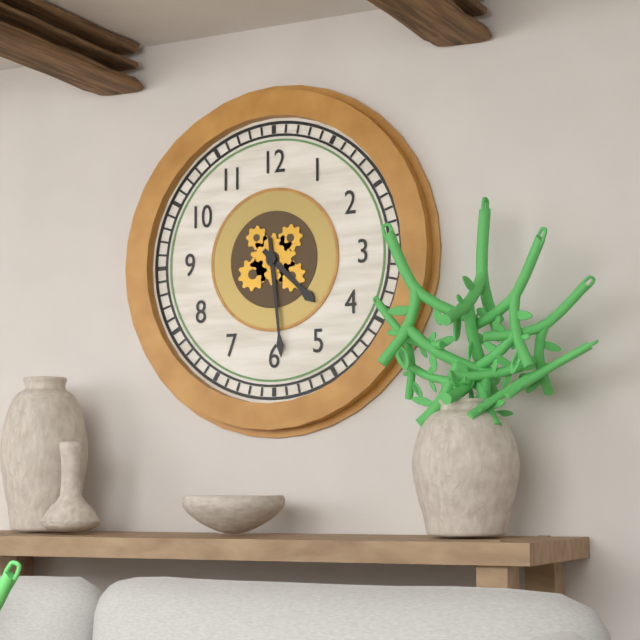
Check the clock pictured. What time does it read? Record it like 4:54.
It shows 4:29
